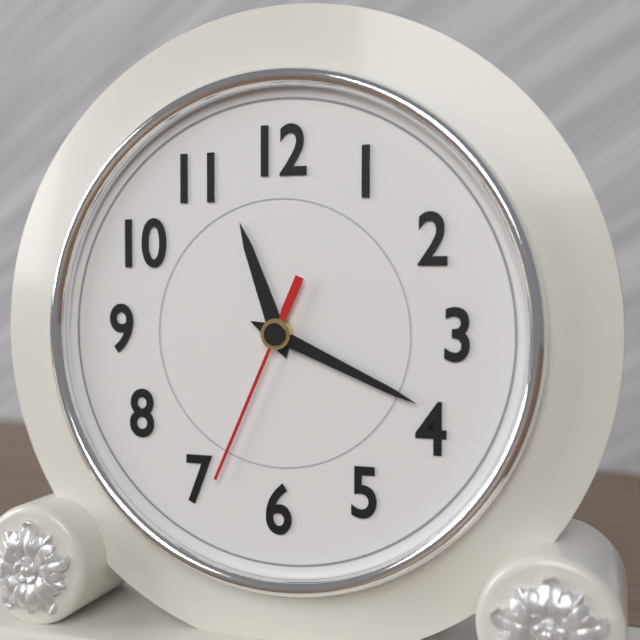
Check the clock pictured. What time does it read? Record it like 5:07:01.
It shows 11:19:34
